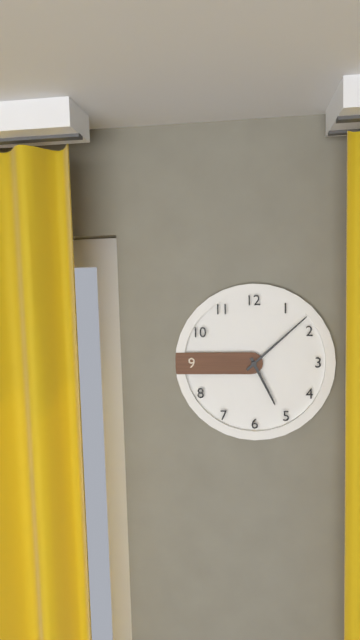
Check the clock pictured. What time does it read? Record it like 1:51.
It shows 5:08
